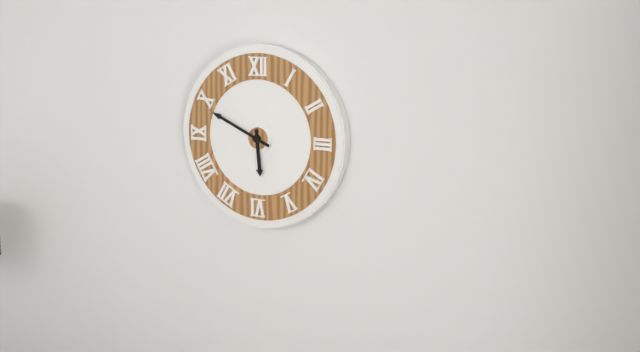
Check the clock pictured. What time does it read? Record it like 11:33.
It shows 5:49
